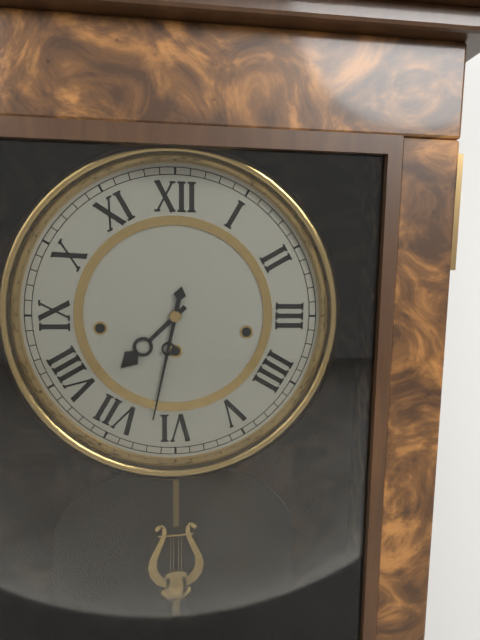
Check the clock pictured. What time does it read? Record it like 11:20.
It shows 7:32
